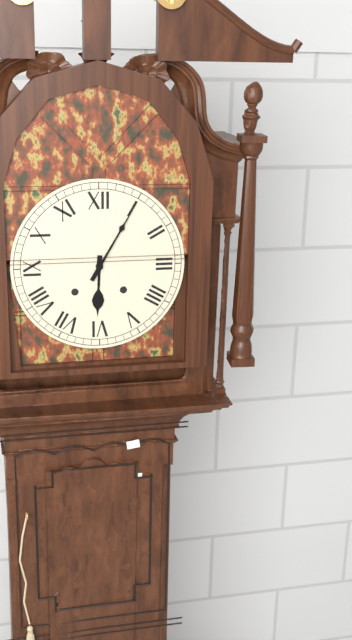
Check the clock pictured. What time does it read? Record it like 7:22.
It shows 6:05
